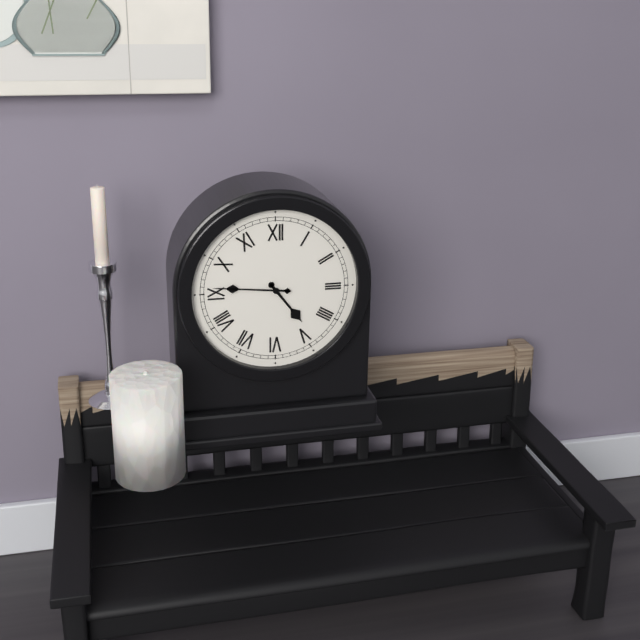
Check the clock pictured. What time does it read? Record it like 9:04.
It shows 4:46
